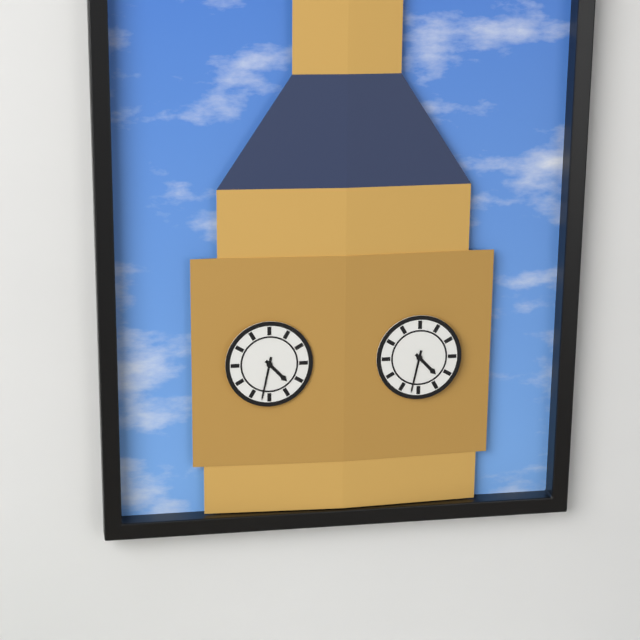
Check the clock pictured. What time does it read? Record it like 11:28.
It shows 4:32
